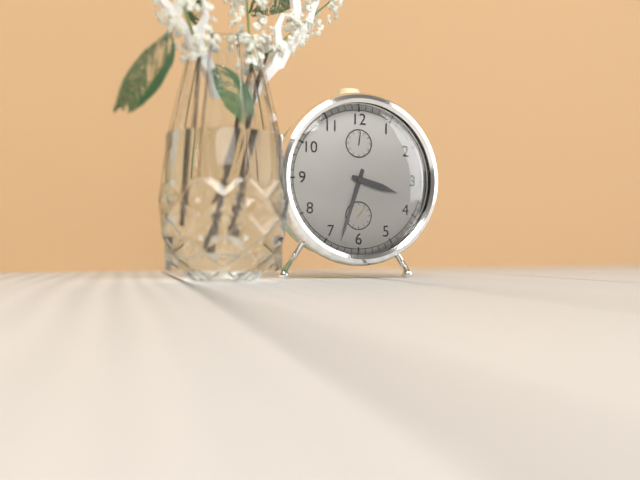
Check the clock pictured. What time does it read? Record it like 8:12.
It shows 3:33
